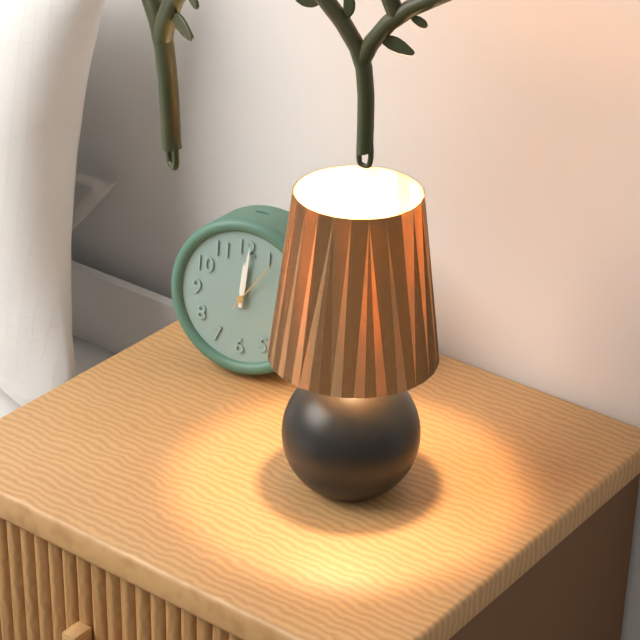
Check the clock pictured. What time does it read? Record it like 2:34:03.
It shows 12:01:06
